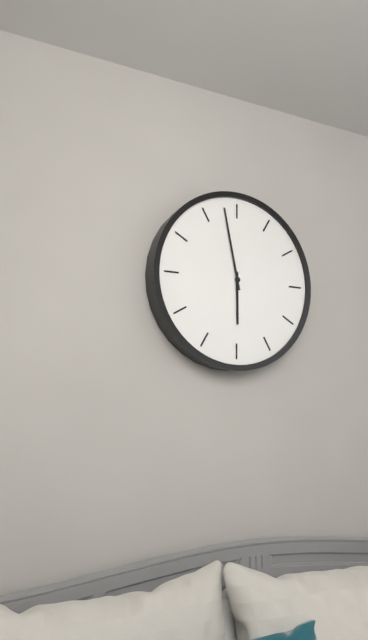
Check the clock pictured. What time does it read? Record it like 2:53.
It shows 5:58
